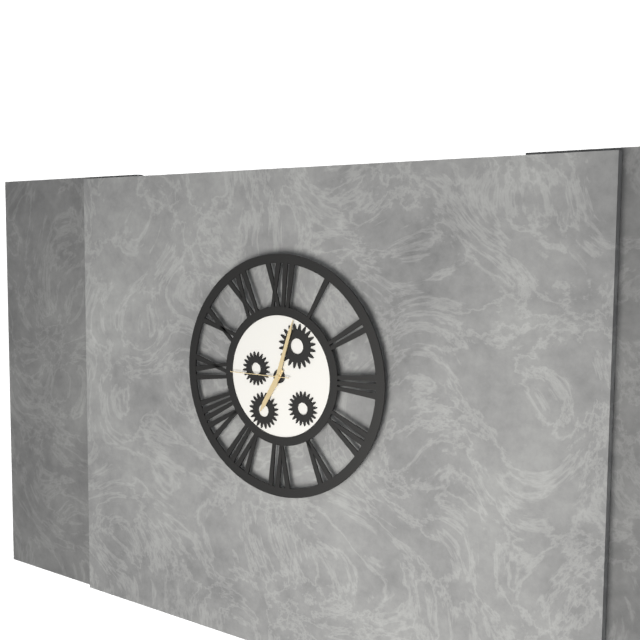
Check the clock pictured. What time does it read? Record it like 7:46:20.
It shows 7:03:45
